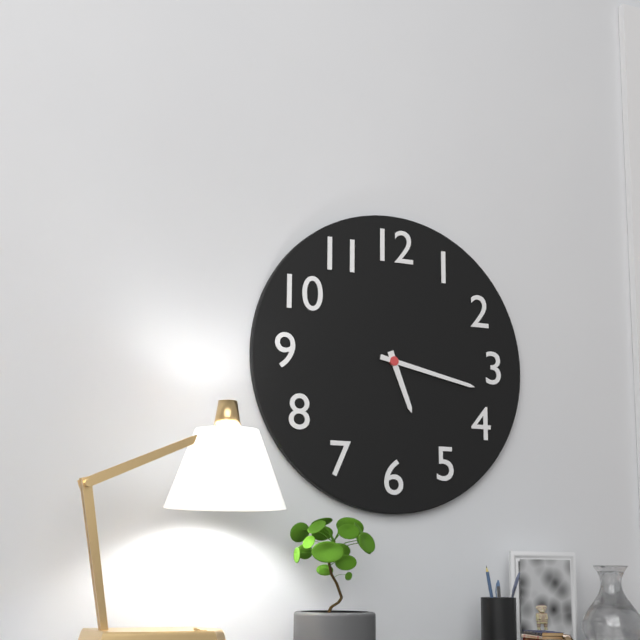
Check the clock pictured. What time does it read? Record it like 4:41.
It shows 5:17
